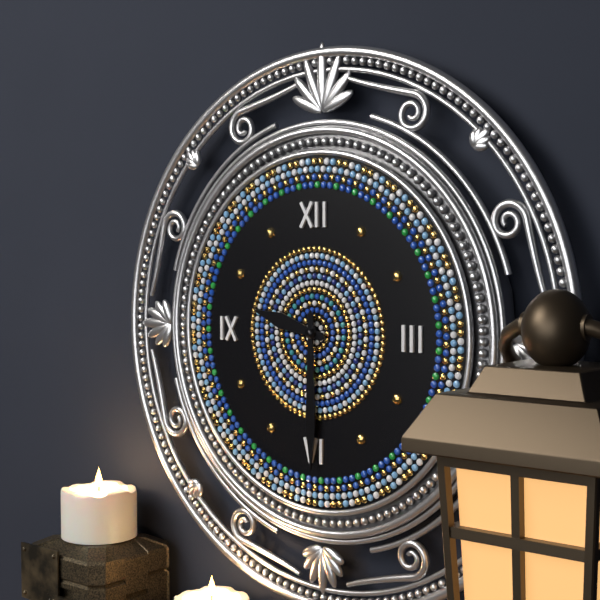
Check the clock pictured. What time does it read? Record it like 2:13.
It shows 9:30
